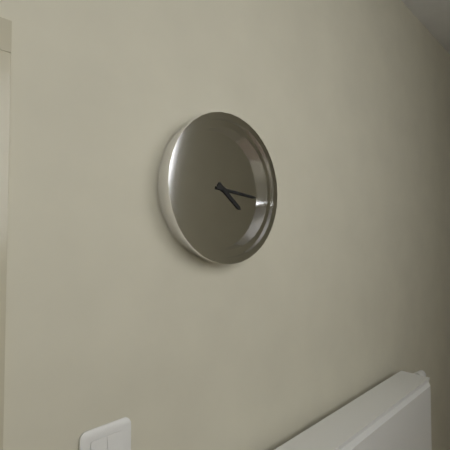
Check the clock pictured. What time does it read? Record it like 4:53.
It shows 4:16
